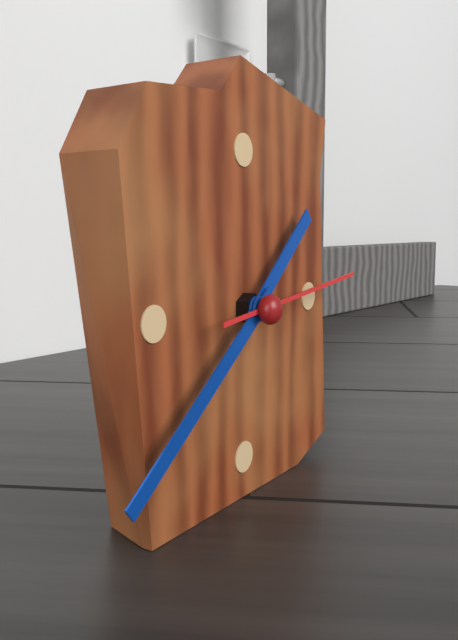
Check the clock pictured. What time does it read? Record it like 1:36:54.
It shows 1:39:14
